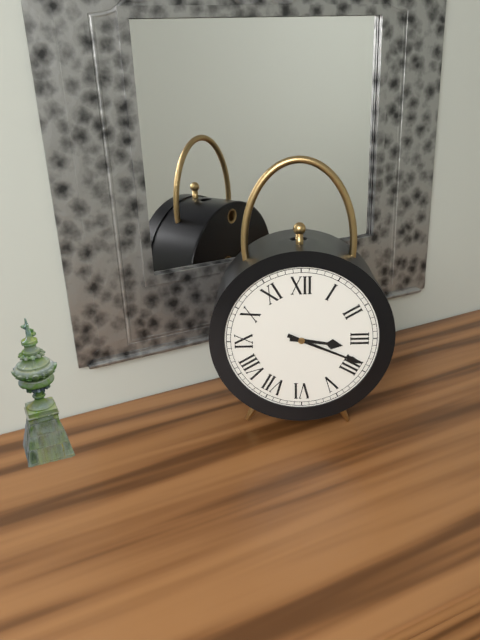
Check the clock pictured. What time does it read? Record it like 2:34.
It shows 3:19
